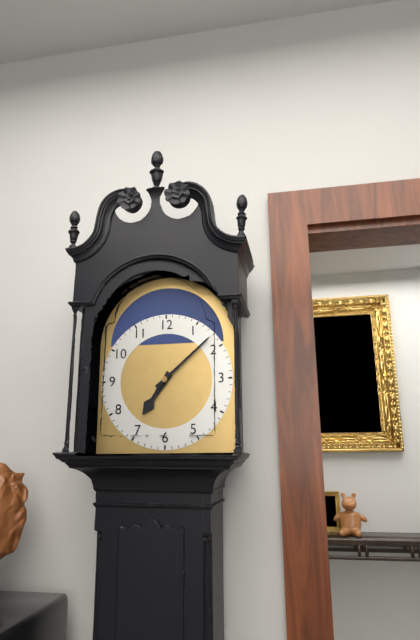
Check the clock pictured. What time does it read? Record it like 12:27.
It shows 7:08
